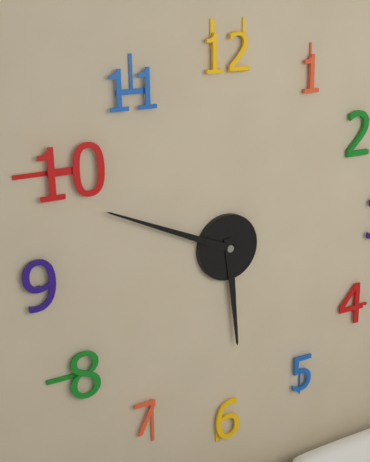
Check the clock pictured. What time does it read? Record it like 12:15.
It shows 5:49
